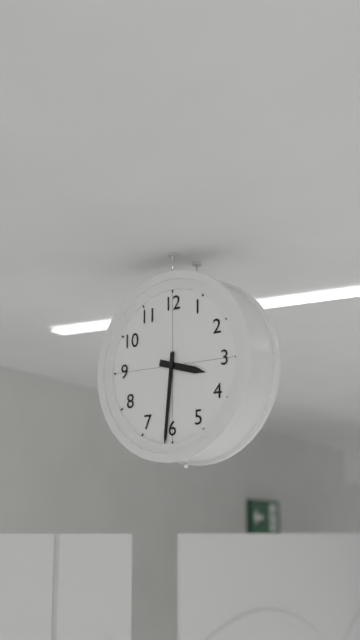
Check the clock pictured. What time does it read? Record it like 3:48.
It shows 3:31
